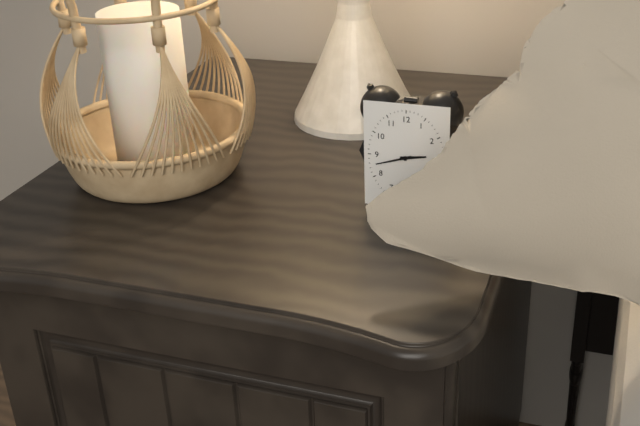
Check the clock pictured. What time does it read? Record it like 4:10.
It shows 2:42
